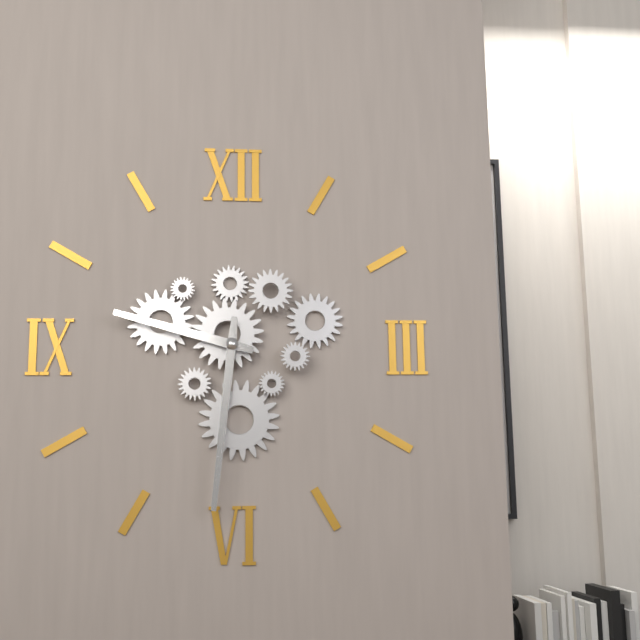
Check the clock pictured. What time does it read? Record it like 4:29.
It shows 9:31
